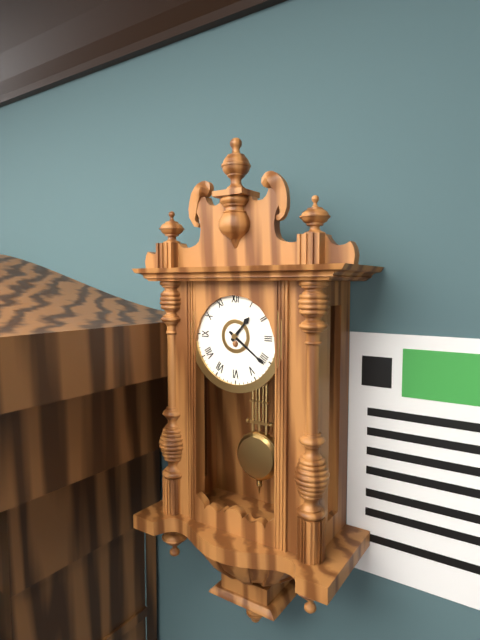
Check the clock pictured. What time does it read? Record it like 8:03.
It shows 1:21
